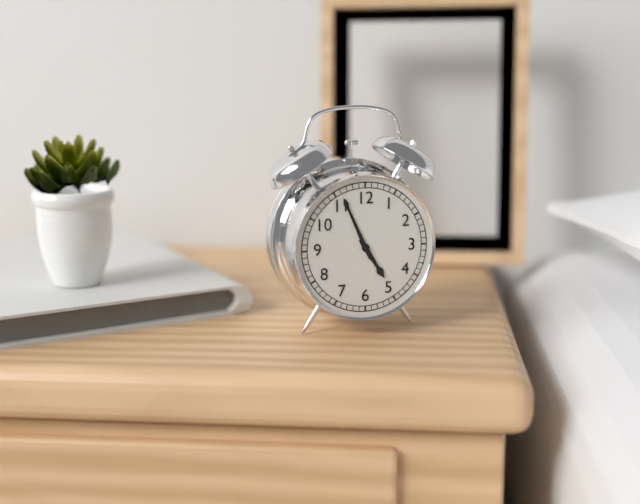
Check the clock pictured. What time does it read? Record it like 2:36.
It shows 4:56
